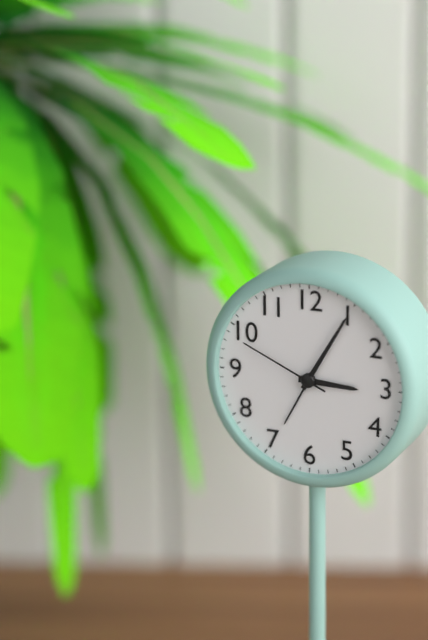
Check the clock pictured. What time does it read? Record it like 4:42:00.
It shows 3:05:49
